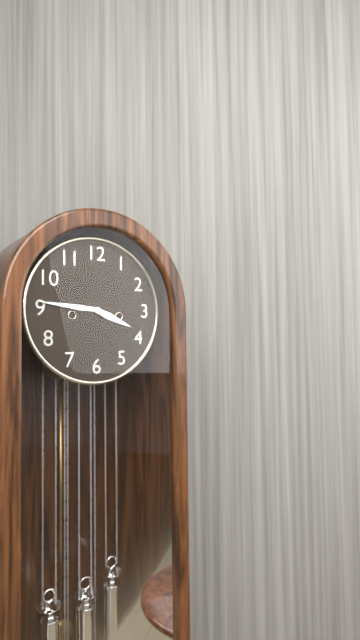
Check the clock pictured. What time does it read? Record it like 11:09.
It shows 3:46
